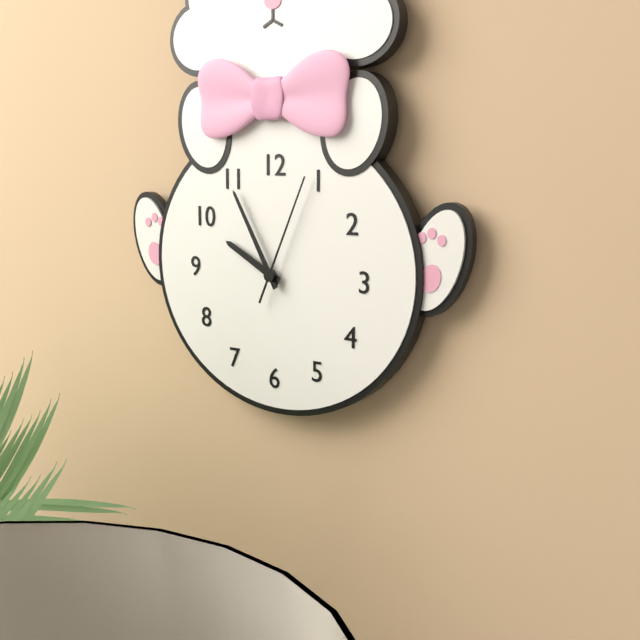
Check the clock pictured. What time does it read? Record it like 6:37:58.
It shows 9:55:04
